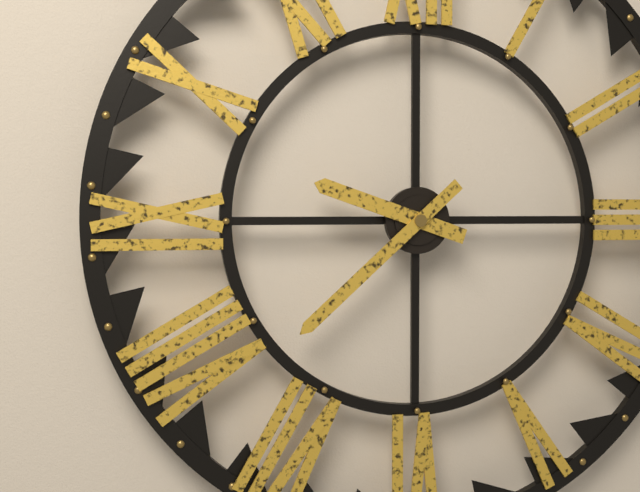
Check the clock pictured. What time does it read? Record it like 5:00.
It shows 9:38
